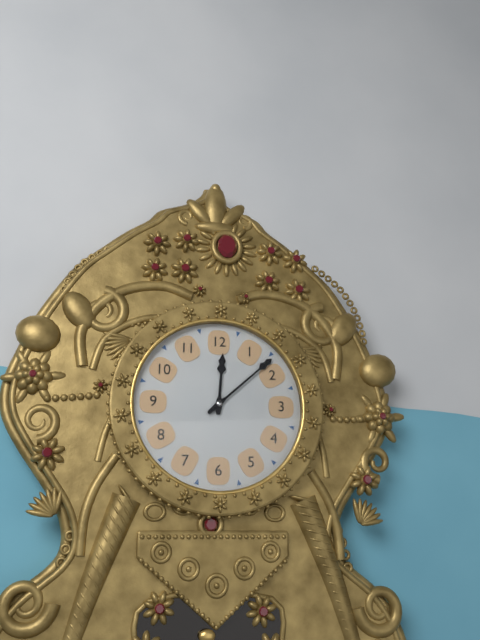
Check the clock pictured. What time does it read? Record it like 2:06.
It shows 12:08
